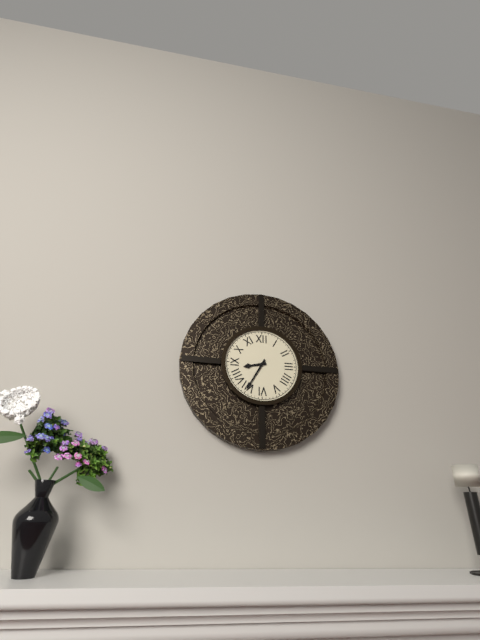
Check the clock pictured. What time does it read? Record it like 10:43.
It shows 8:35
